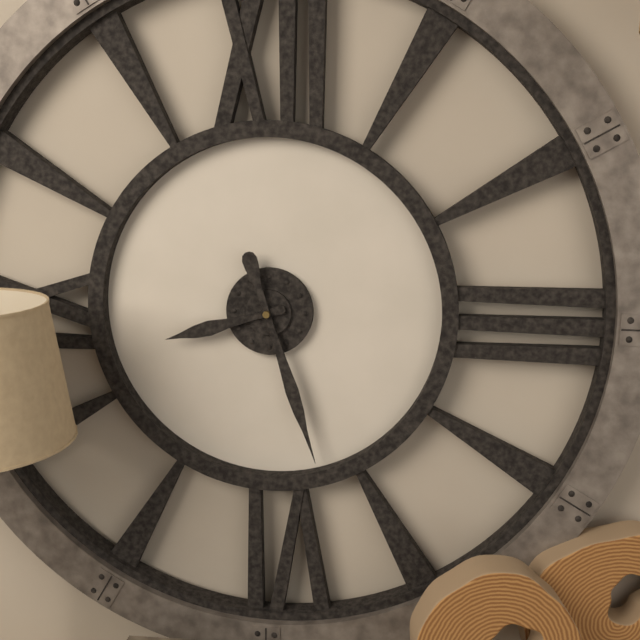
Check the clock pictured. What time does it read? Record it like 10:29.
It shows 8:27
